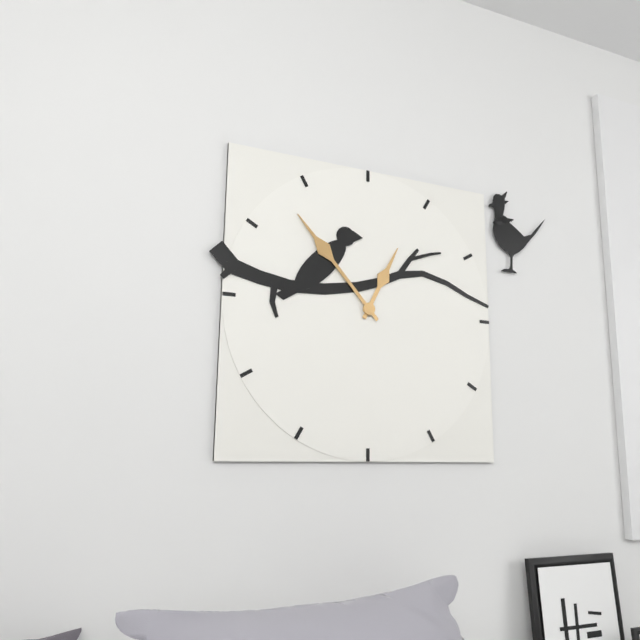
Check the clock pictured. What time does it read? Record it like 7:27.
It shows 12:53
